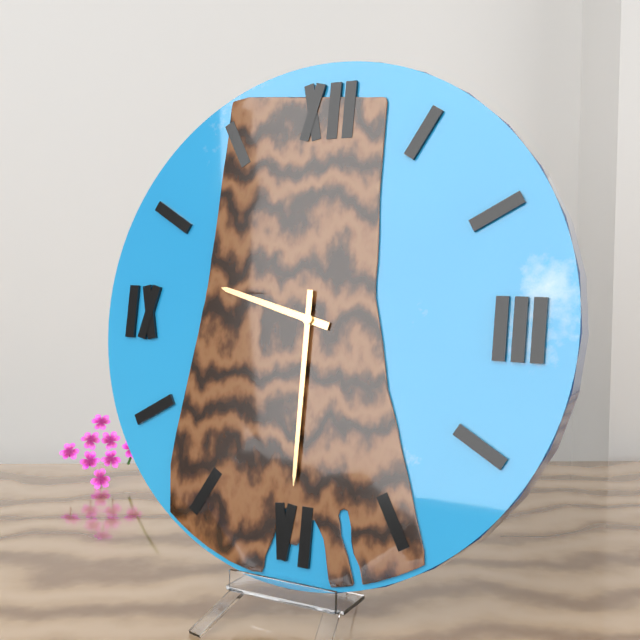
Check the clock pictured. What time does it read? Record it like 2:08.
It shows 9:30
